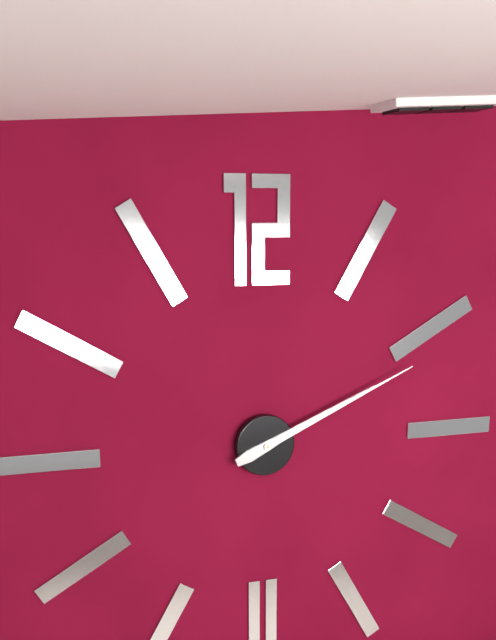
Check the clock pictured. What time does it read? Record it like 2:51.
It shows 2:11
